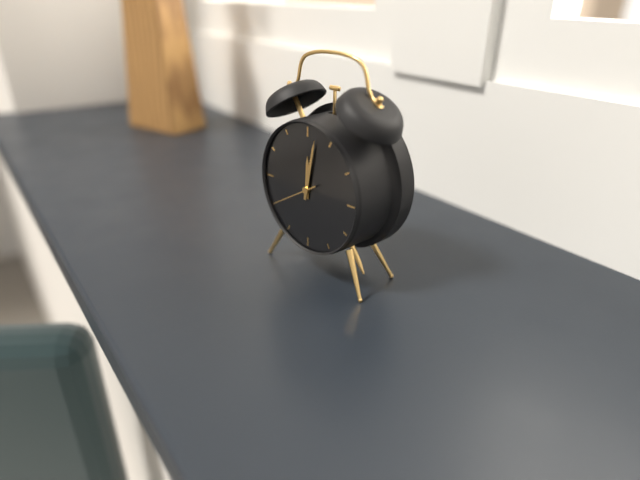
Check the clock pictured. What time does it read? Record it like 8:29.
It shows 12:02
